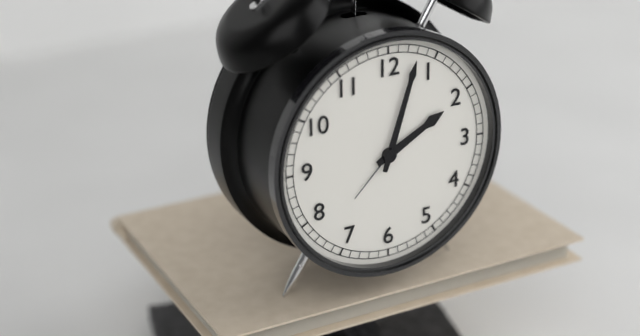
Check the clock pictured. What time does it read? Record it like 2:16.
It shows 2:03
